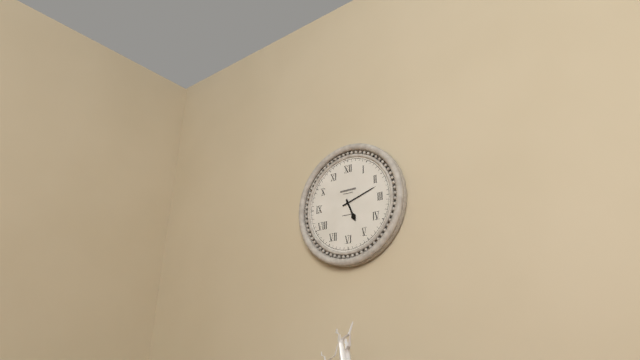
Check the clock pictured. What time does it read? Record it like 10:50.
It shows 5:12
